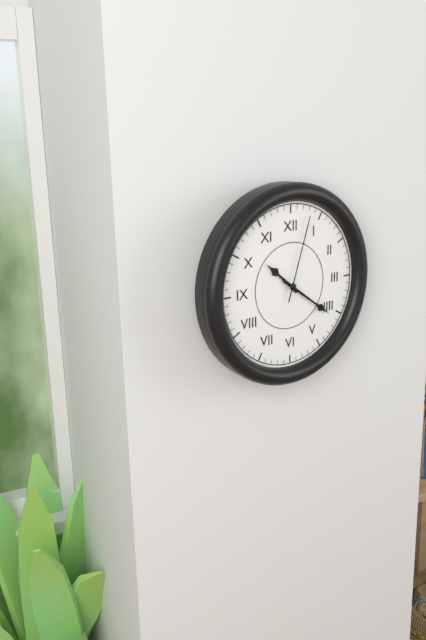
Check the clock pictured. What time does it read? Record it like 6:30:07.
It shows 10:21:03
